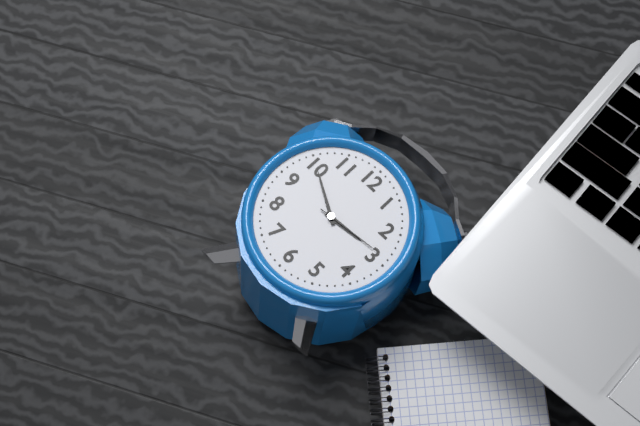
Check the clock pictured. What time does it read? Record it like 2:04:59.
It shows 2:50:14
